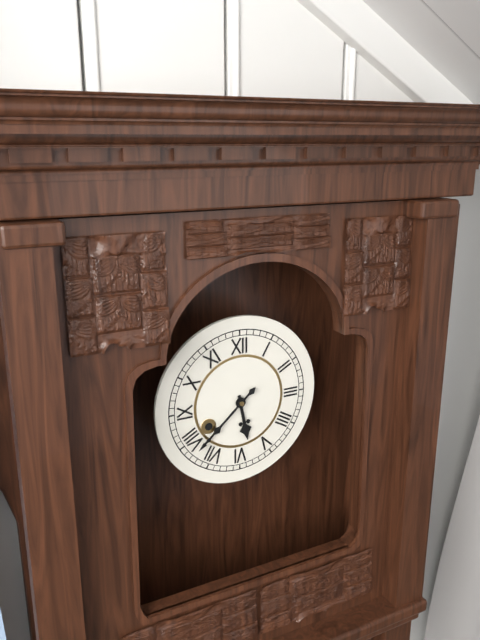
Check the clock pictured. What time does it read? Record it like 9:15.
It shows 5:38
